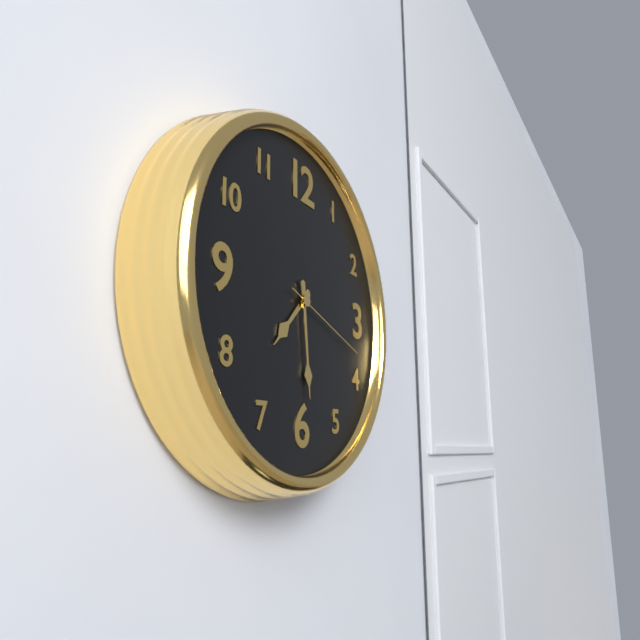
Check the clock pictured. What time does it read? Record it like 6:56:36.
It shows 7:29:18
